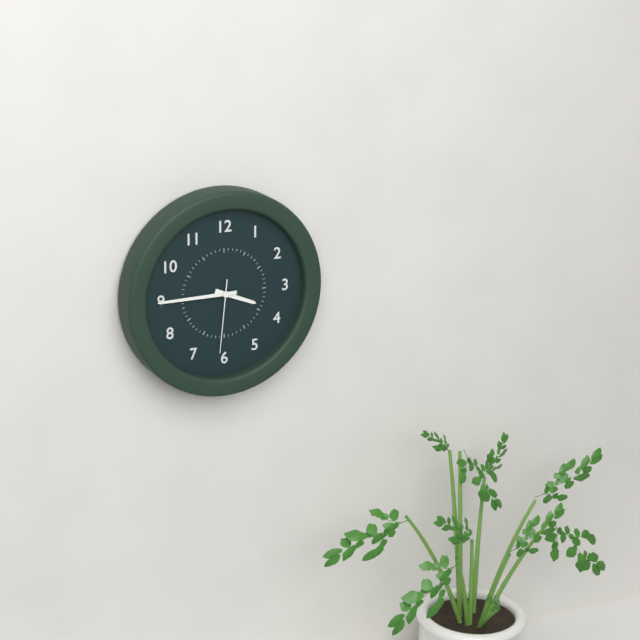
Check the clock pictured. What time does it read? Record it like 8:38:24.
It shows 3:45:31
